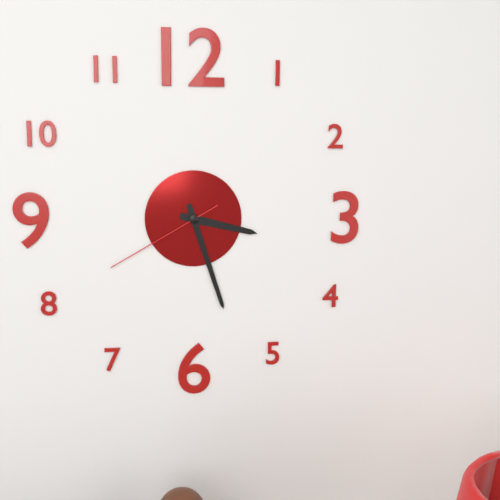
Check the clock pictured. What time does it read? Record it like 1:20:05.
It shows 3:27:40
